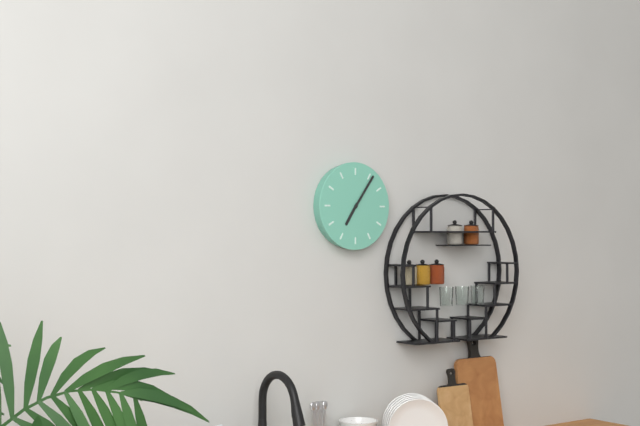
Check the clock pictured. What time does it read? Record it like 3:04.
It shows 7:06
